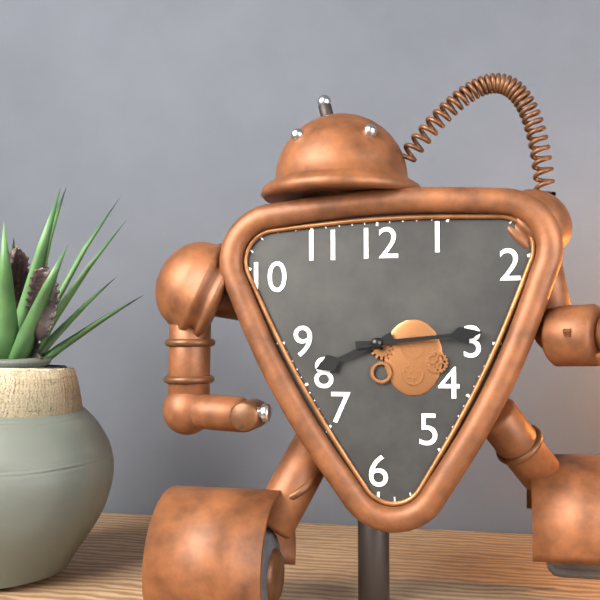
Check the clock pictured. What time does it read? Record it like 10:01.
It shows 8:14
